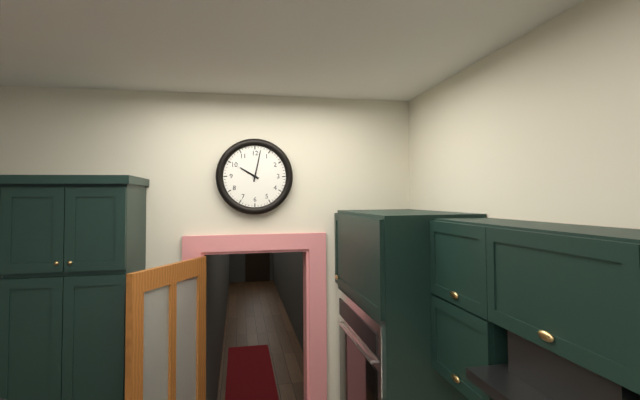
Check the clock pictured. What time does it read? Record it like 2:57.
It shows 10:02
